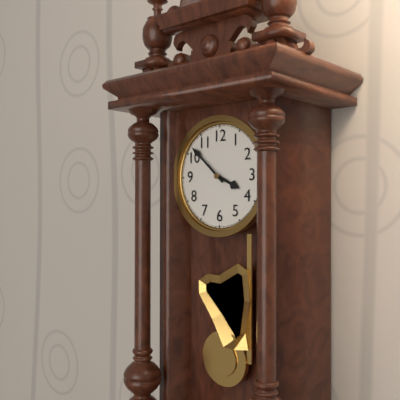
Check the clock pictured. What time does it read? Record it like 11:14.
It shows 3:52
